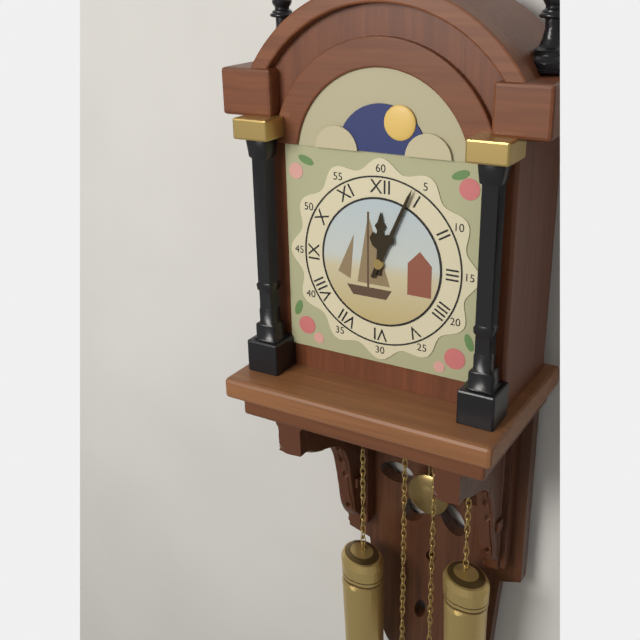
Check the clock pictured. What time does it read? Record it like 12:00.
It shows 12:04
